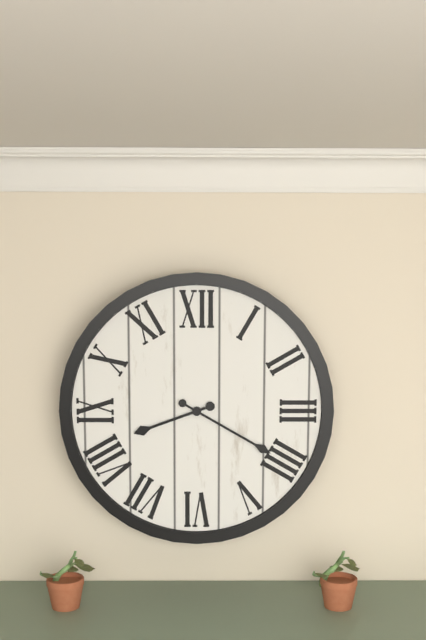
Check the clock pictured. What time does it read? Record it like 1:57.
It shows 8:20
